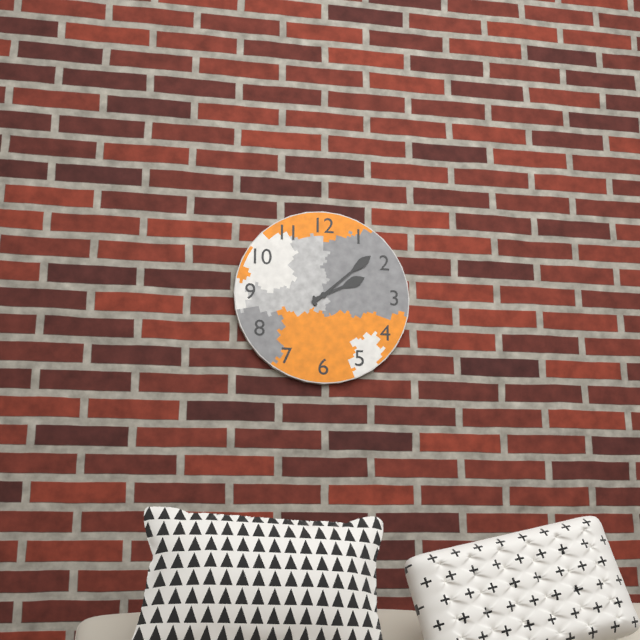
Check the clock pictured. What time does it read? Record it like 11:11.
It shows 2:08
